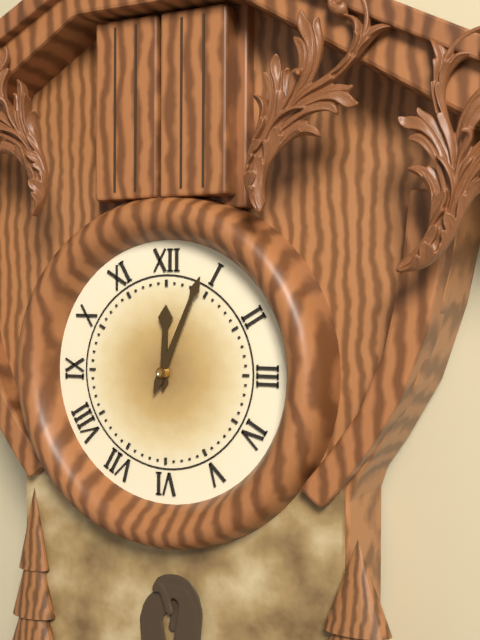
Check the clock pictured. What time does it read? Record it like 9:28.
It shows 12:04
